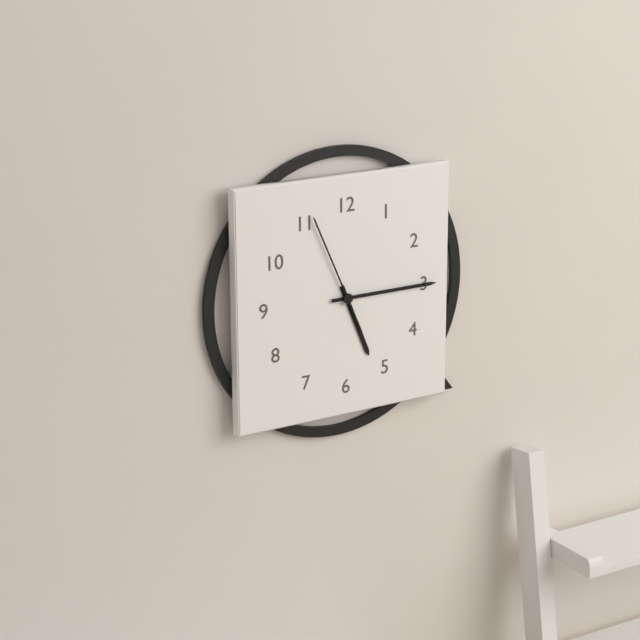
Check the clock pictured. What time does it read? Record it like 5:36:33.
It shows 5:15:56
